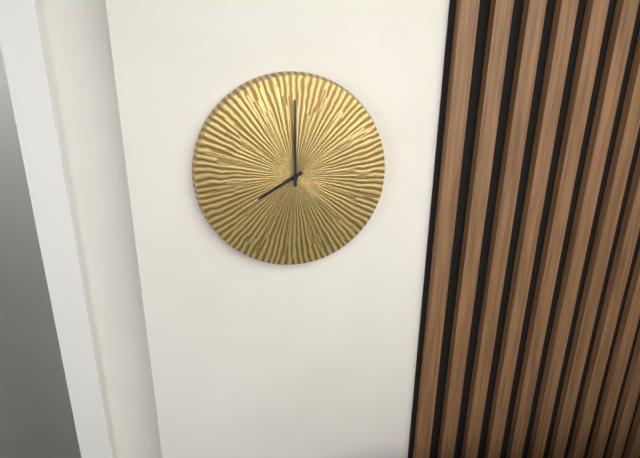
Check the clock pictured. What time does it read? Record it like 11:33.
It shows 8:00
